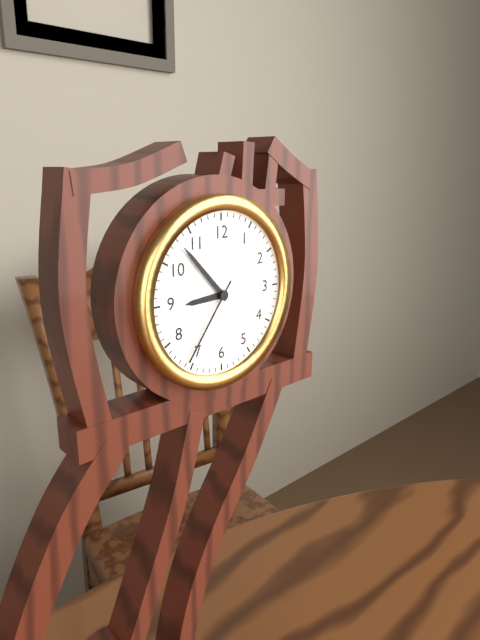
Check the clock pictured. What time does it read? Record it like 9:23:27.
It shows 8:53:36
